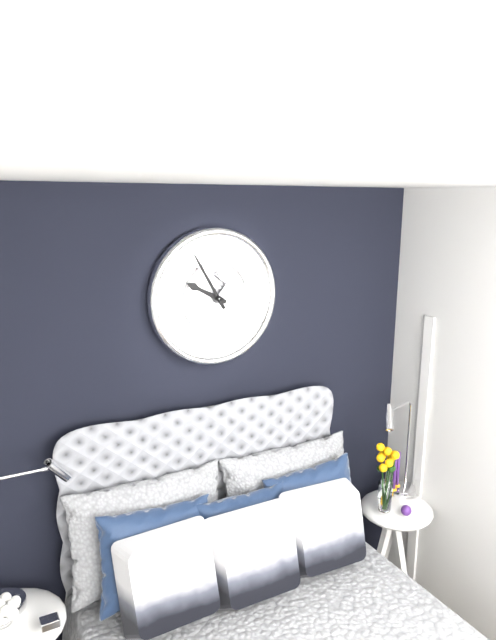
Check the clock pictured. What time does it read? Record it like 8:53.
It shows 9:55
